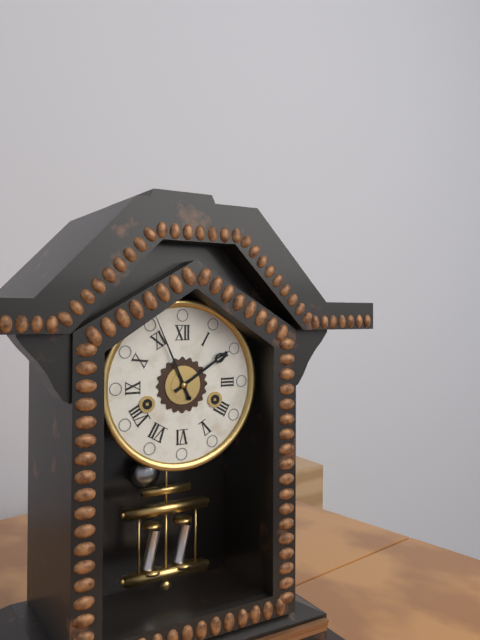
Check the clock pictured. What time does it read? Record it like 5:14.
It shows 1:56
